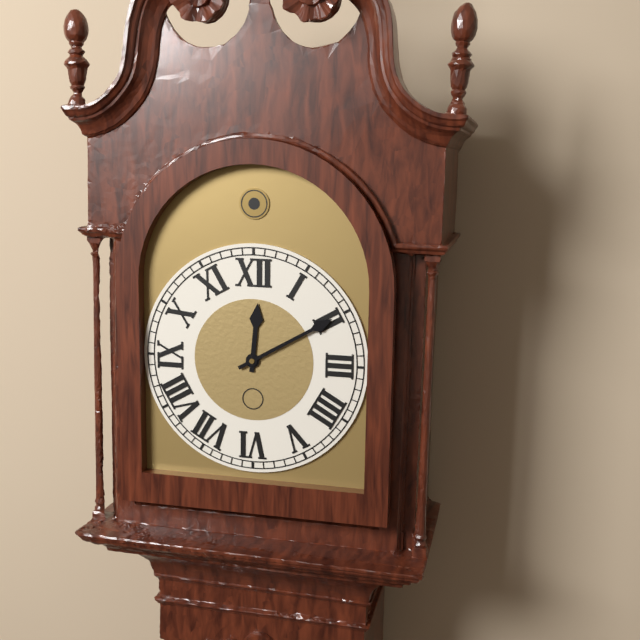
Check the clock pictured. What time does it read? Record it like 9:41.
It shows 12:10
